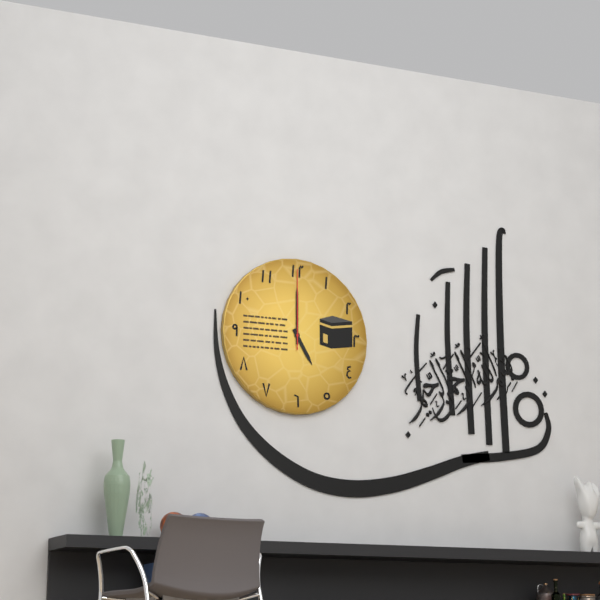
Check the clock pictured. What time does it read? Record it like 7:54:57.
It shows 5:00:00
